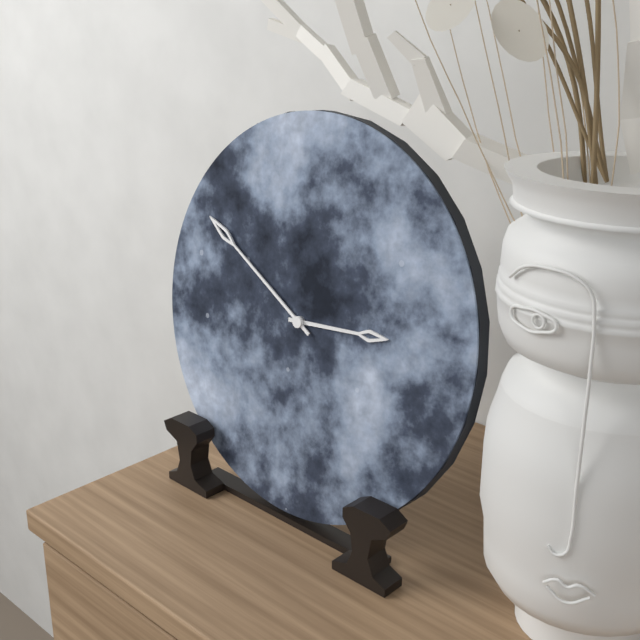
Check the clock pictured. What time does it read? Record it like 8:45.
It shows 2:50
